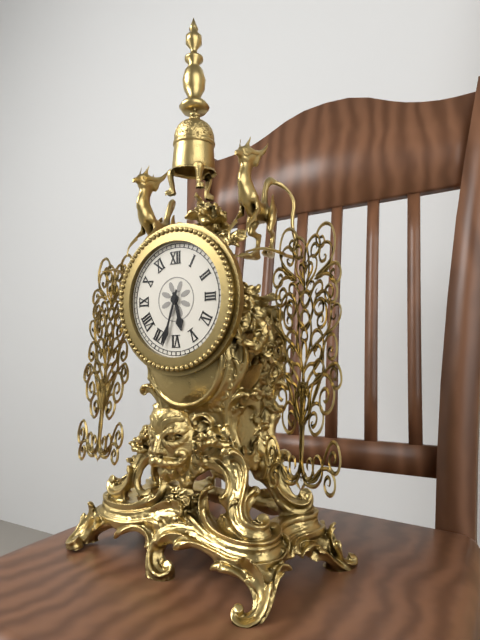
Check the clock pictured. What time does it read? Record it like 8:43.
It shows 5:33
